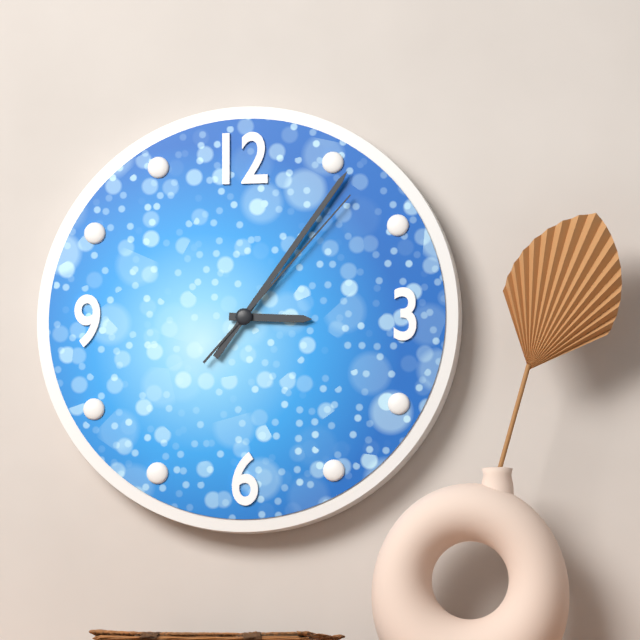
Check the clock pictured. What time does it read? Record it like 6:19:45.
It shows 3:06:07
